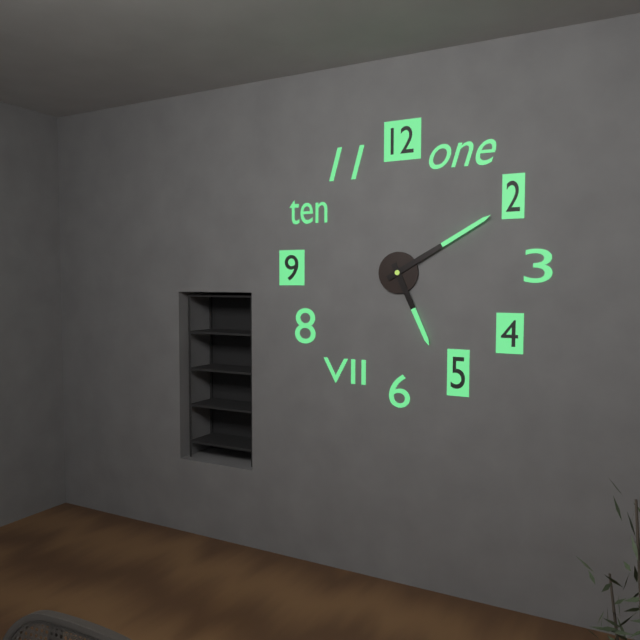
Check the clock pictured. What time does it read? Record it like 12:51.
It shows 5:10
